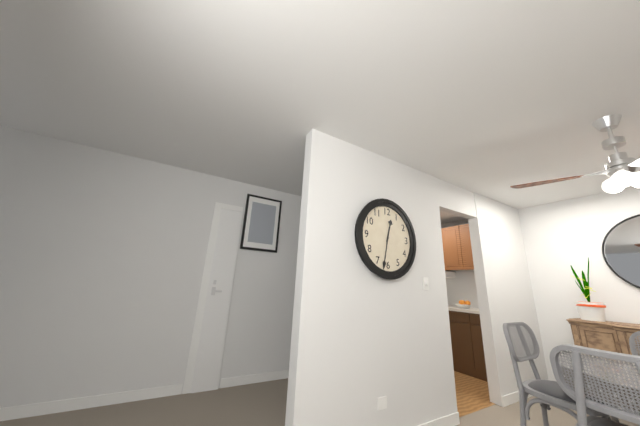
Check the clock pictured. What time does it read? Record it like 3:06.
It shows 12:32
